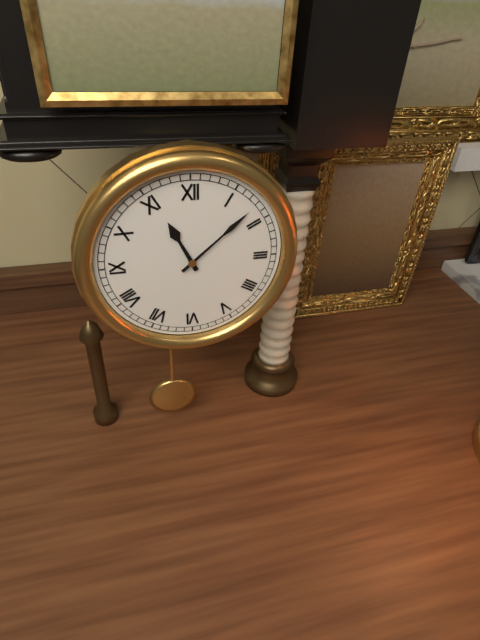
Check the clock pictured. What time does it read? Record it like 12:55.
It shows 11:08
